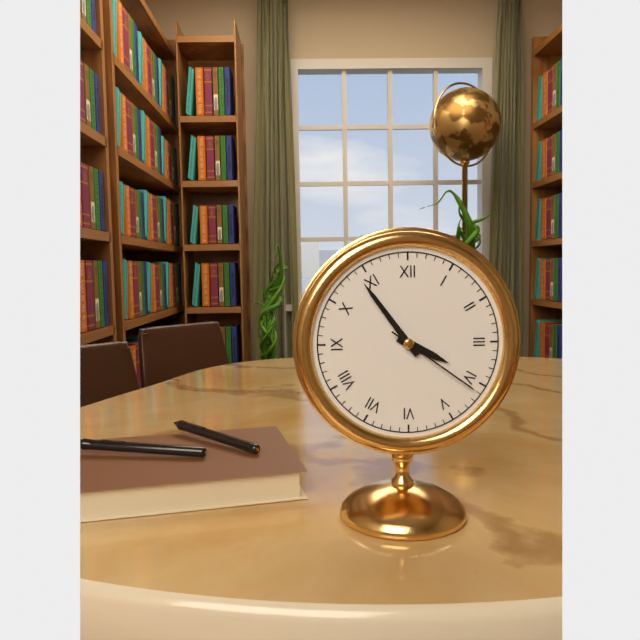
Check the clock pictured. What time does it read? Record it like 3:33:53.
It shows 3:54:21
